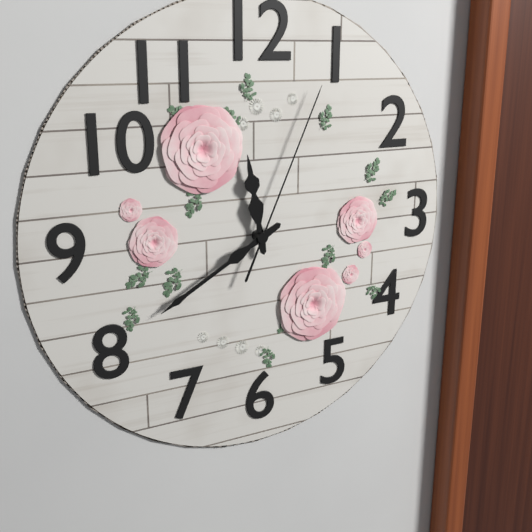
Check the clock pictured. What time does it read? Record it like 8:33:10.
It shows 11:40:04
